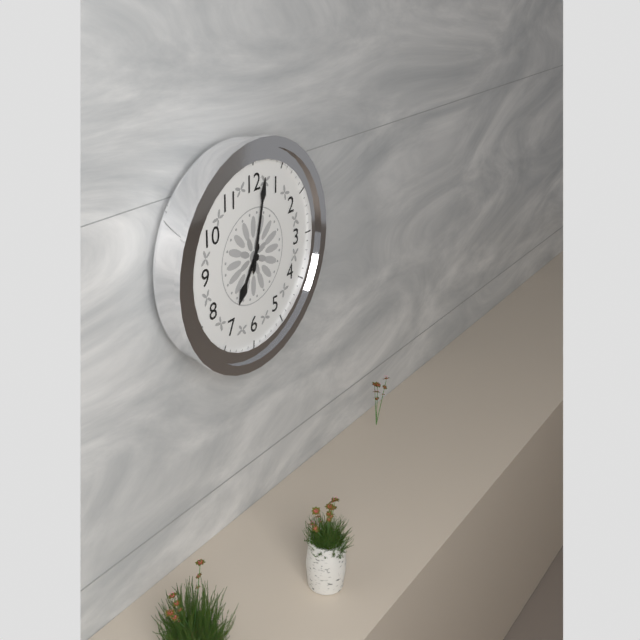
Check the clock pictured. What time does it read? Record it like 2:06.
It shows 7:02
